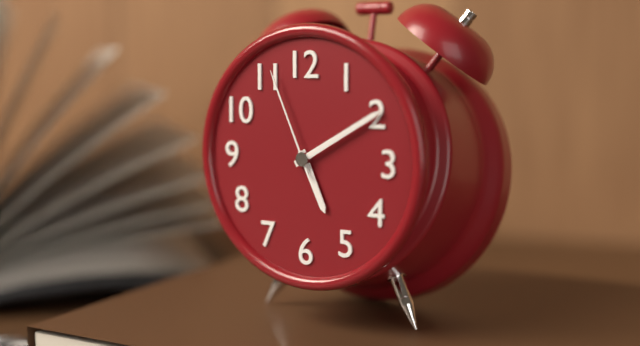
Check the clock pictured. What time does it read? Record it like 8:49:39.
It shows 5:10:56
